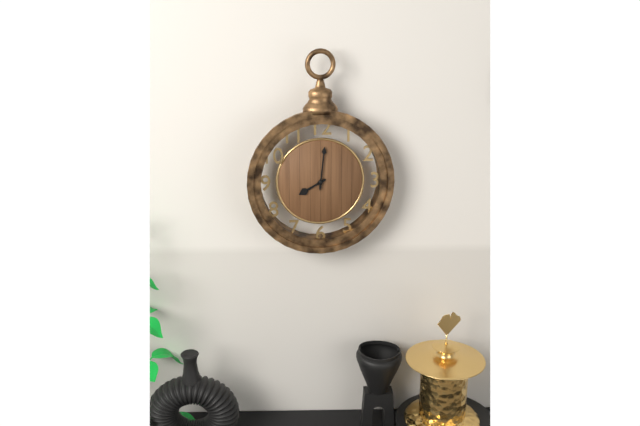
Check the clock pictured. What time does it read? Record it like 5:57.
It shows 8:01
